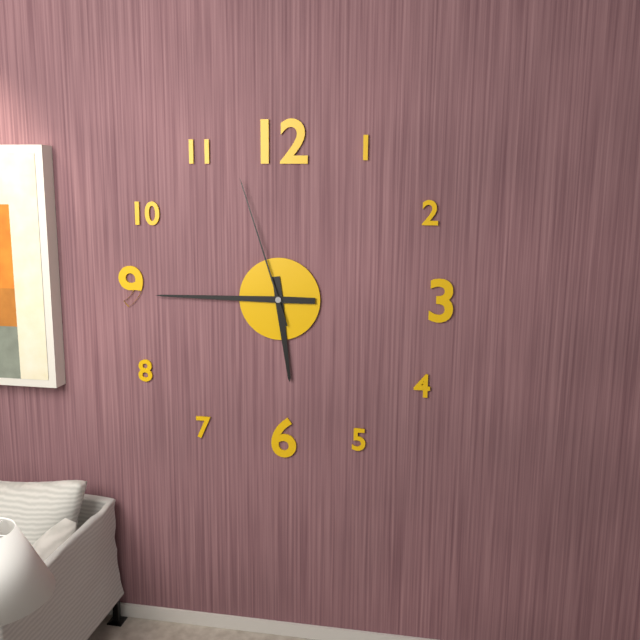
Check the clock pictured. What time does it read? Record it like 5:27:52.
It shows 5:45:57
